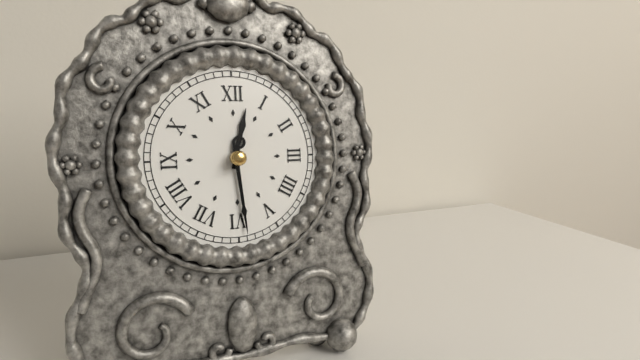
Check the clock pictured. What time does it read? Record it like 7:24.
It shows 12:29
